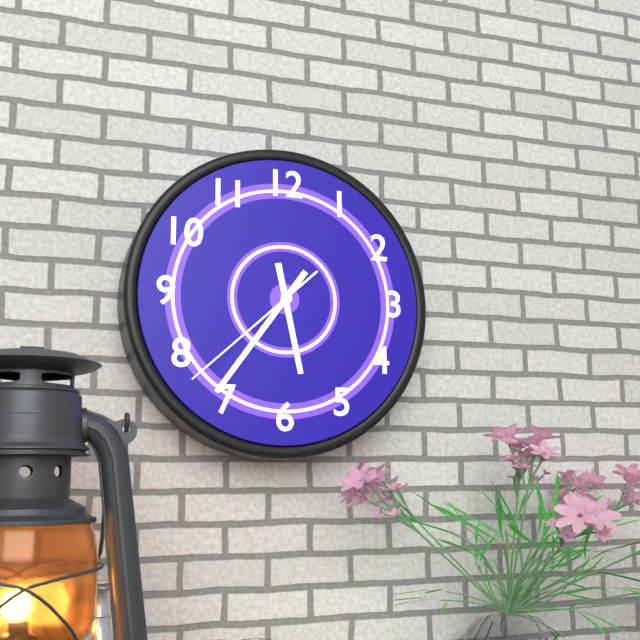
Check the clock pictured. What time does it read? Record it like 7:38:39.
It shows 5:36:38
